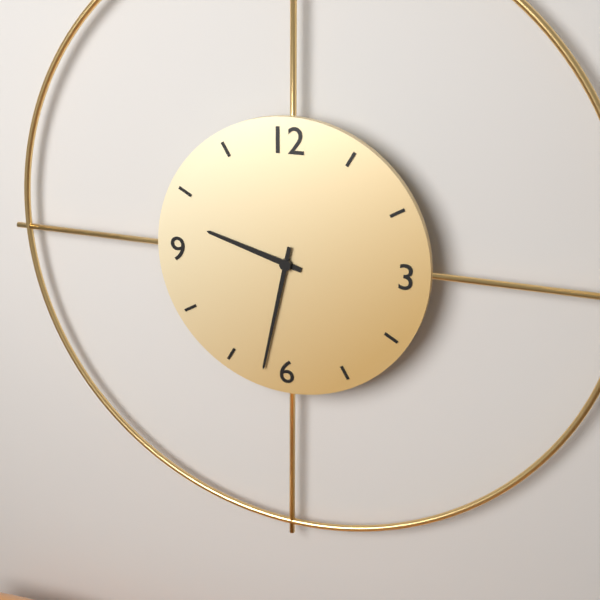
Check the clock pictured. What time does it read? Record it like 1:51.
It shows 9:32
